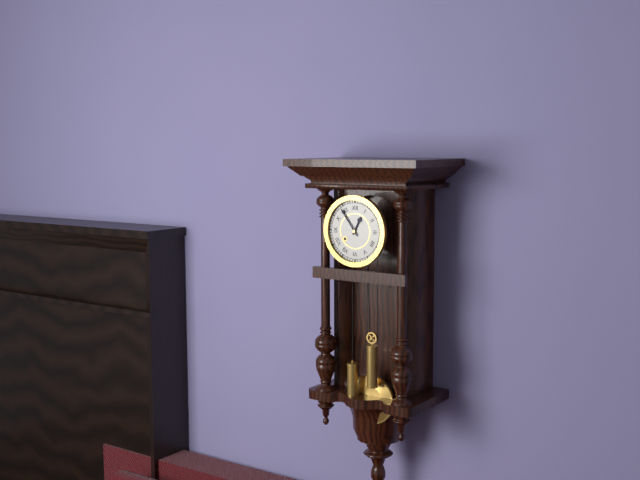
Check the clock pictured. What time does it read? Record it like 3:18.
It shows 12:54
